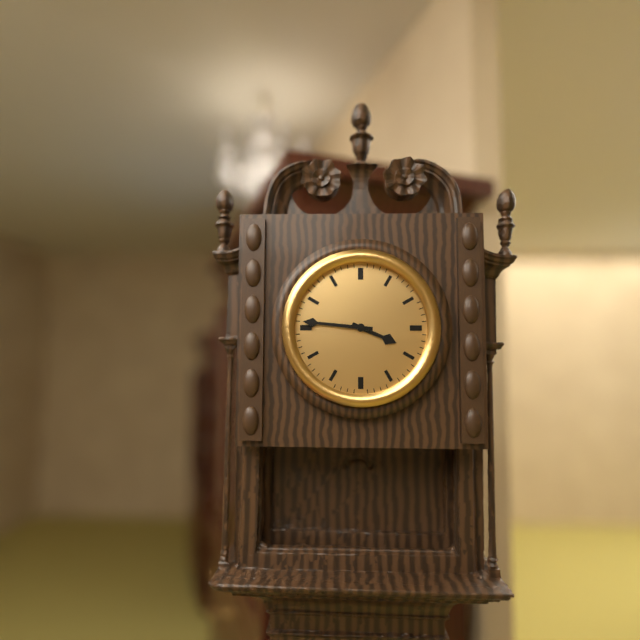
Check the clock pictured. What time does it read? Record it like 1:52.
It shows 3:46
